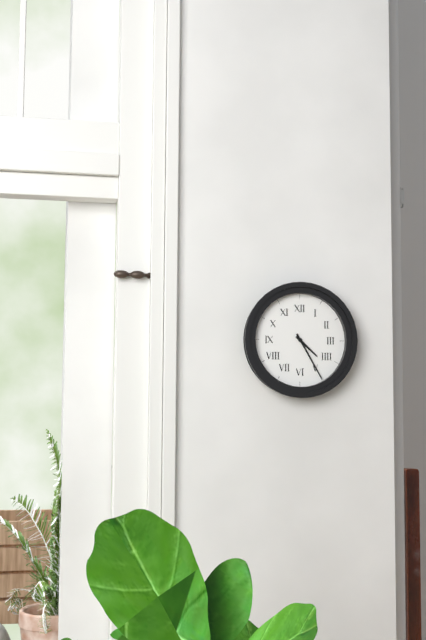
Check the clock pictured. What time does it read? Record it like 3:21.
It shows 4:25
